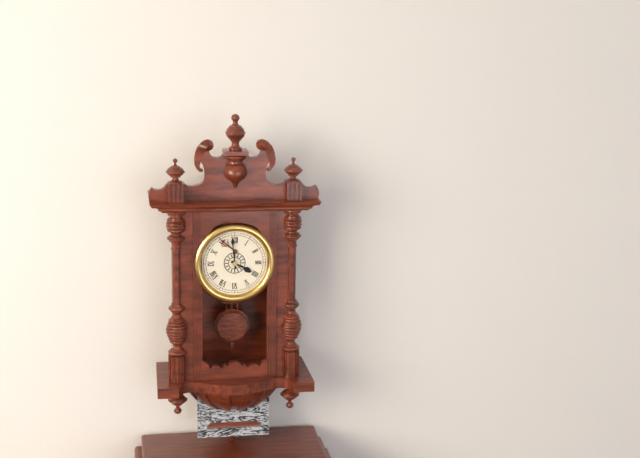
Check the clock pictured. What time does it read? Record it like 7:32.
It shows 3:59
